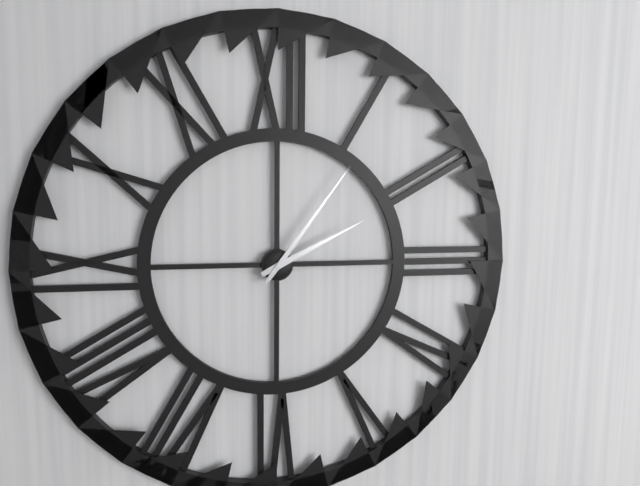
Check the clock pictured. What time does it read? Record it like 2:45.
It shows 2:06
